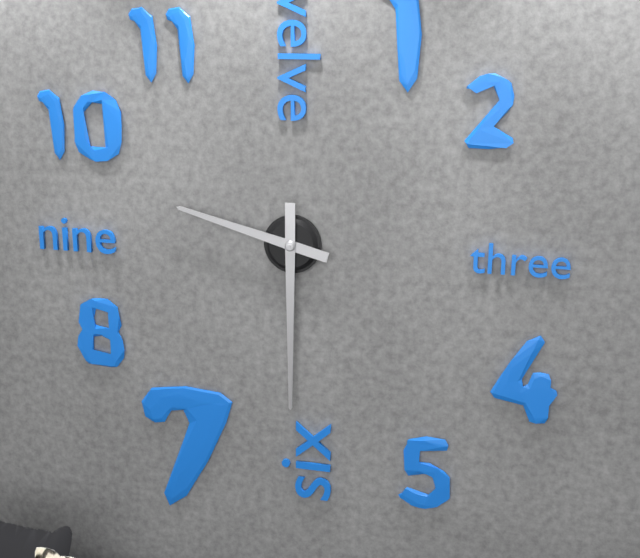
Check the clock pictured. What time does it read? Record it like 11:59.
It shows 9:30
